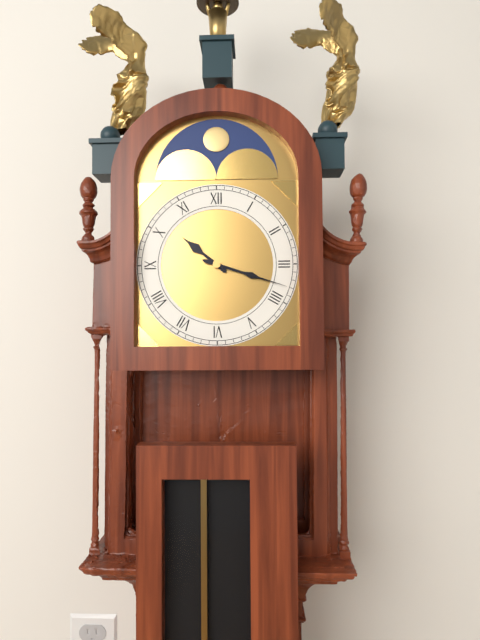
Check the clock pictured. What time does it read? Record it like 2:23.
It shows 10:18
